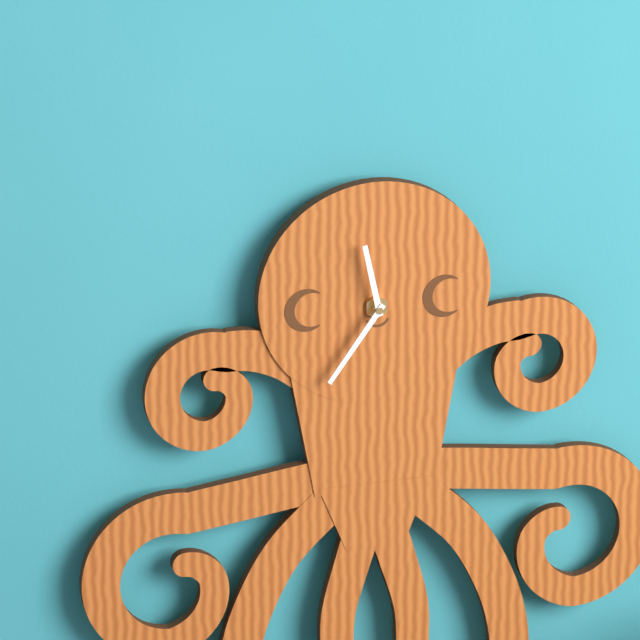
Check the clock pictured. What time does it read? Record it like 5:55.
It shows 11:36
